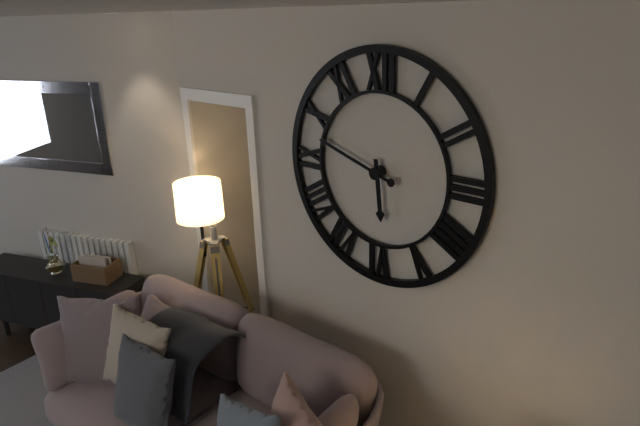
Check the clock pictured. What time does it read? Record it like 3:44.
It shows 5:48
